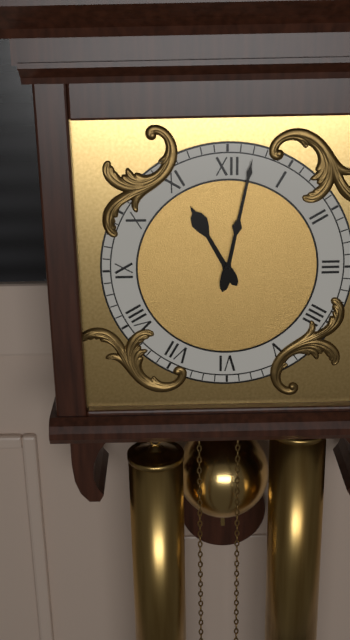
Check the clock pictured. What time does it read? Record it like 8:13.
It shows 11:02
